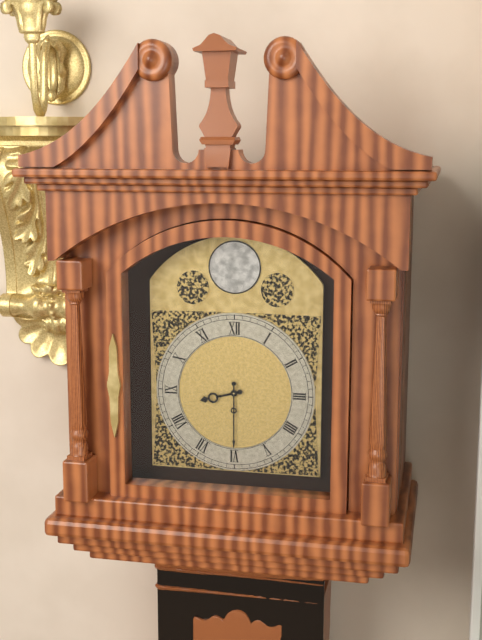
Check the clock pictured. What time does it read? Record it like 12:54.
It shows 8:30
